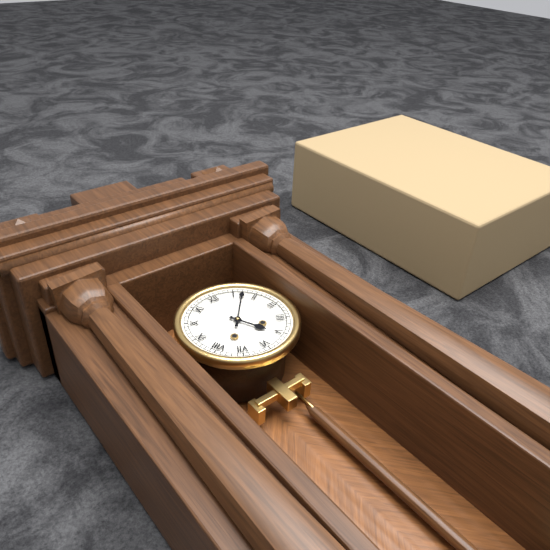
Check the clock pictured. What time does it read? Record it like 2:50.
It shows 5:07
